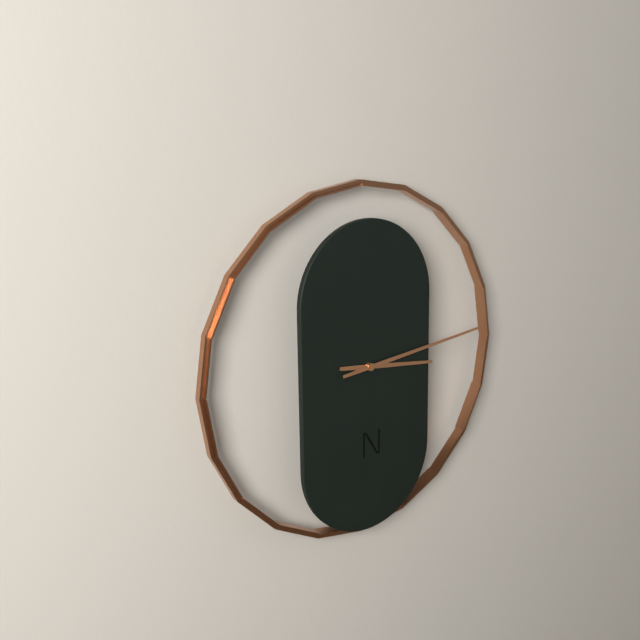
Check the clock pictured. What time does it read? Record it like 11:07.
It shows 3:14
